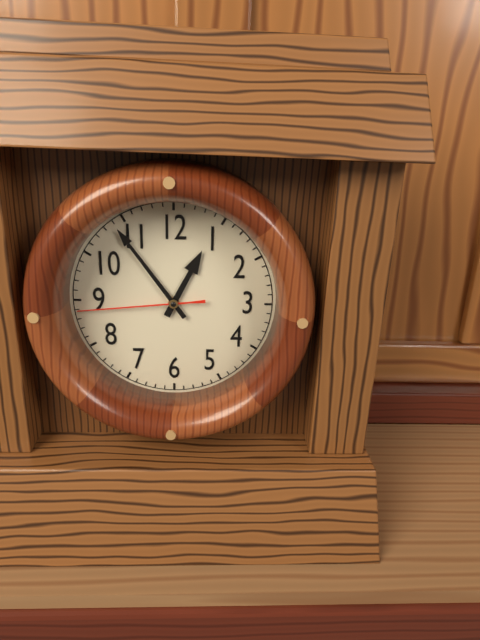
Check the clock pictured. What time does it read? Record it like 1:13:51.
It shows 12:54:44
